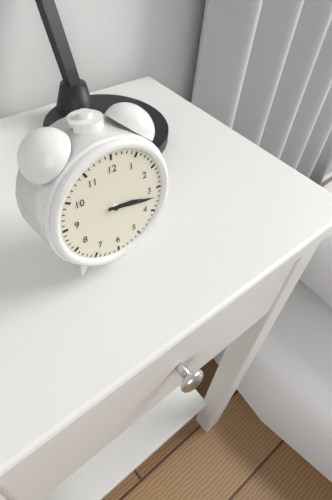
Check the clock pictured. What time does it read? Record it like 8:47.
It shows 3:17
